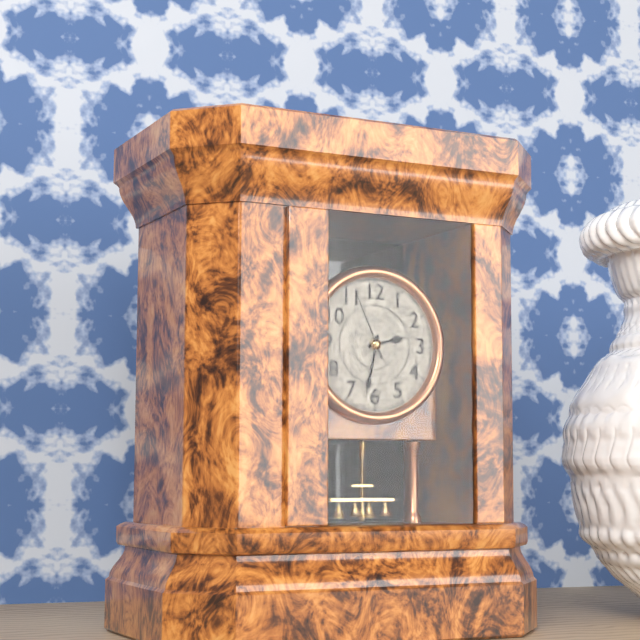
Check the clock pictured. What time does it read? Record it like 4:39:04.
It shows 2:32:56
